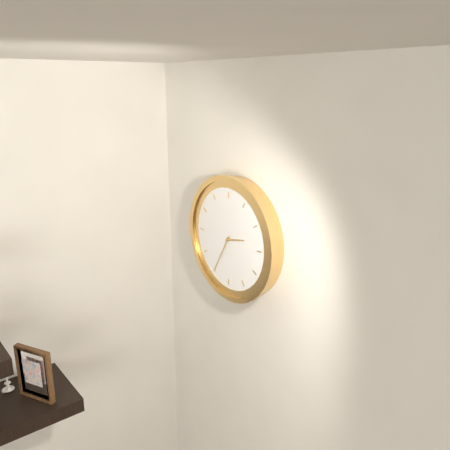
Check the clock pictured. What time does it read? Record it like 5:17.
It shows 2:35
